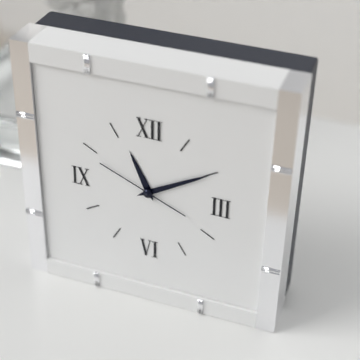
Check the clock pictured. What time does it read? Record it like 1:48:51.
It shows 11:10:49
